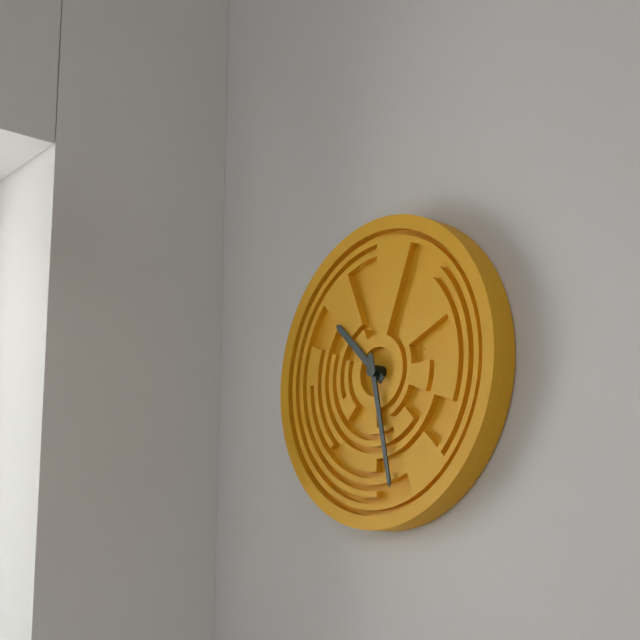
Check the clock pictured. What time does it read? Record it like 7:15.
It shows 10:28
